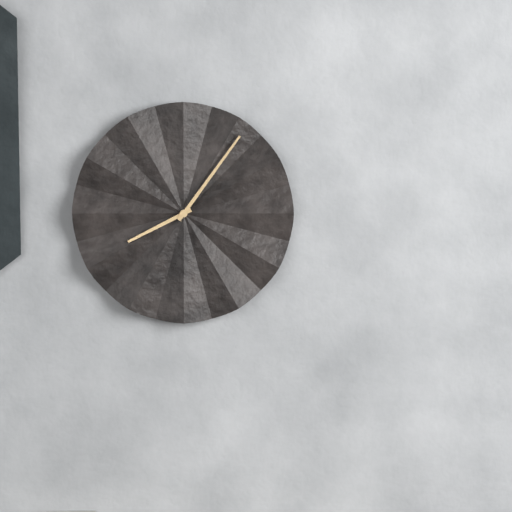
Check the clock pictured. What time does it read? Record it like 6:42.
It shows 8:06
